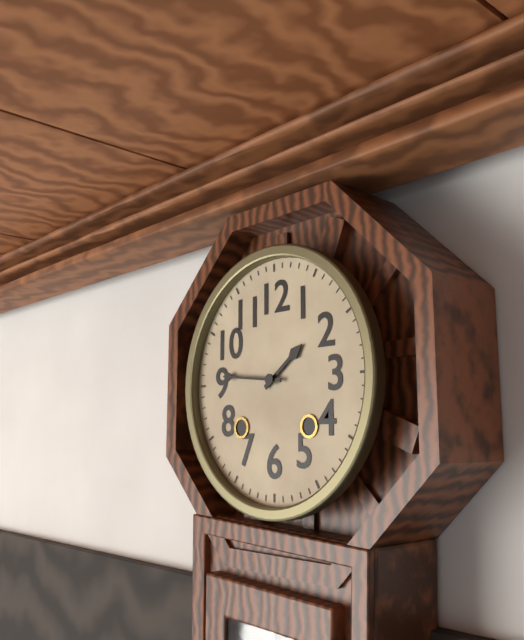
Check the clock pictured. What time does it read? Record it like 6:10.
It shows 1:46
